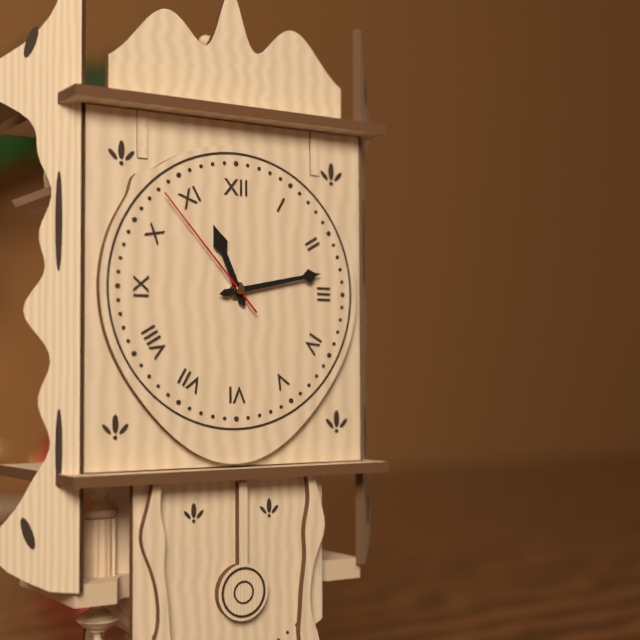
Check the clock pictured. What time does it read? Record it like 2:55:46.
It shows 11:13:53
